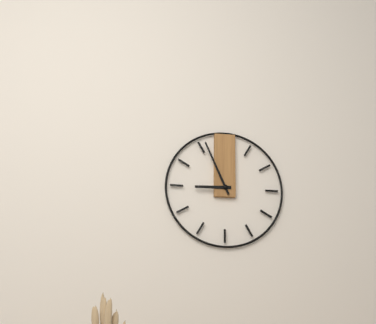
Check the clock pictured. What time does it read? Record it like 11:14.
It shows 8:56
